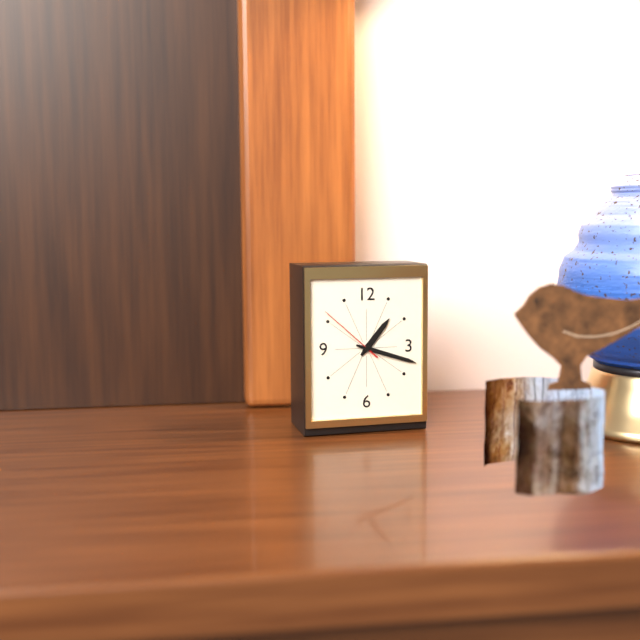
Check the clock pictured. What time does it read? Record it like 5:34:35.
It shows 1:18:52
